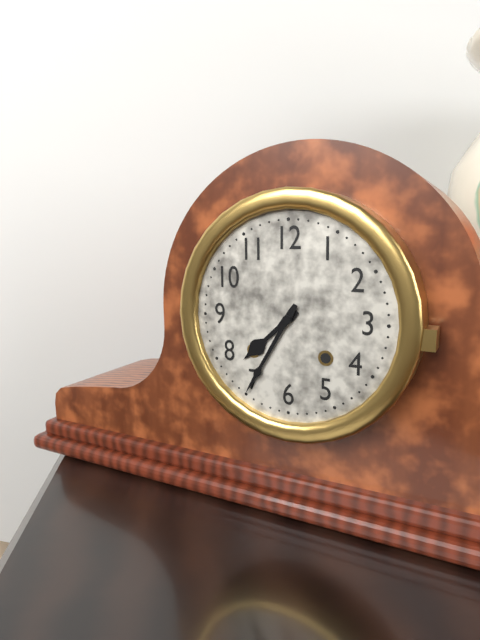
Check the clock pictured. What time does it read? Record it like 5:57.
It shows 7:35
